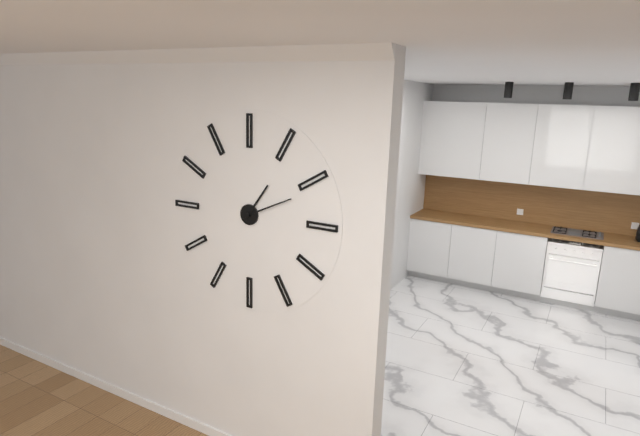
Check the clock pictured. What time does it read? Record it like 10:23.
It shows 1:11
